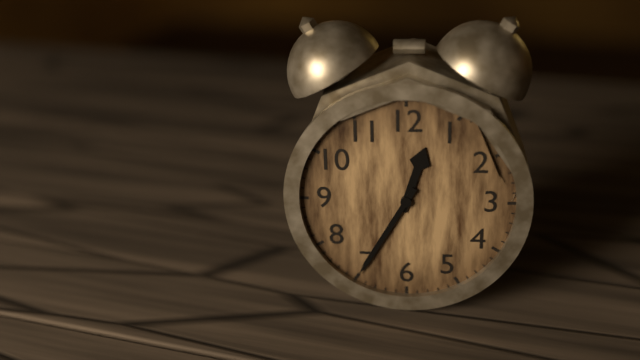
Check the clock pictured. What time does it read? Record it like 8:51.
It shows 12:35
